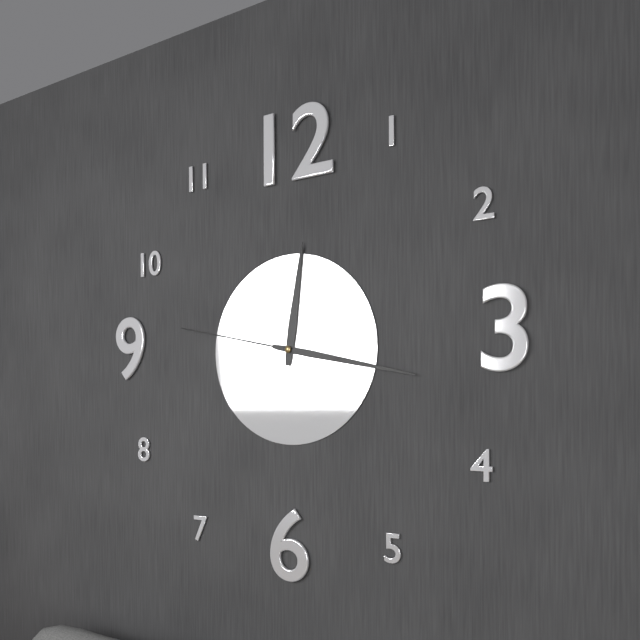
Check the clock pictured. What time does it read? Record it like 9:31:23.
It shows 12:17:47
